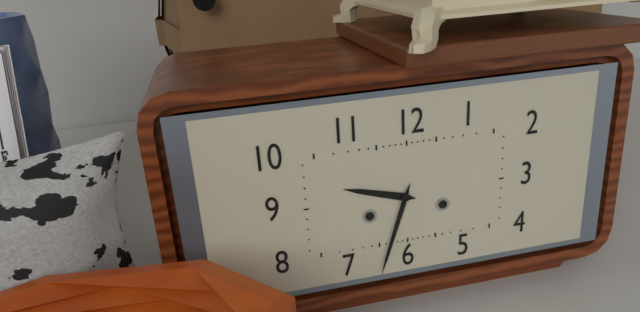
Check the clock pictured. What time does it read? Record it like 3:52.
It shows 9:33
